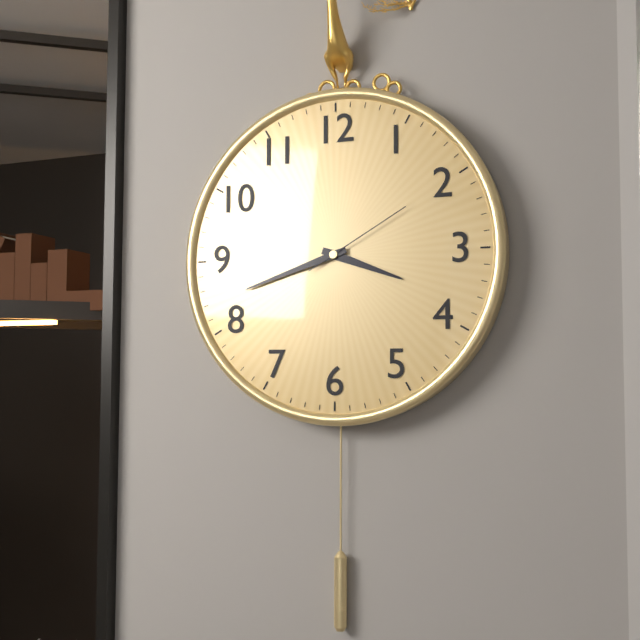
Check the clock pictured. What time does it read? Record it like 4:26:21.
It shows 3:42:10
